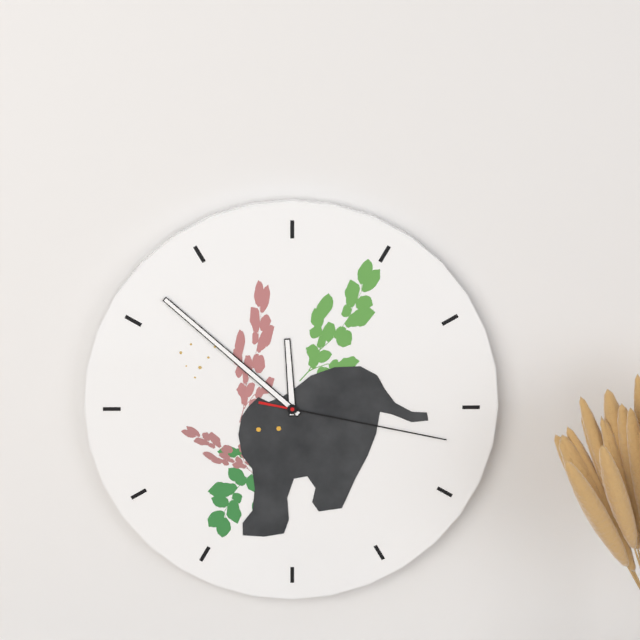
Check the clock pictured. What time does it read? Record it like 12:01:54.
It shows 11:52:17
